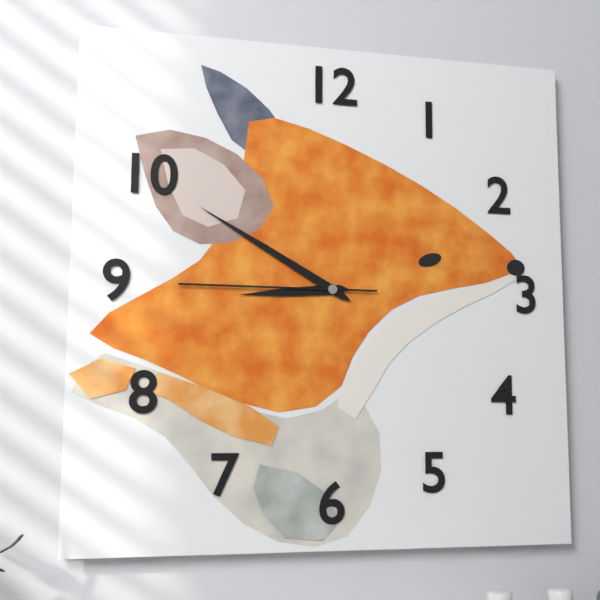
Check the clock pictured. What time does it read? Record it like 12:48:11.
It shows 8:50:45
